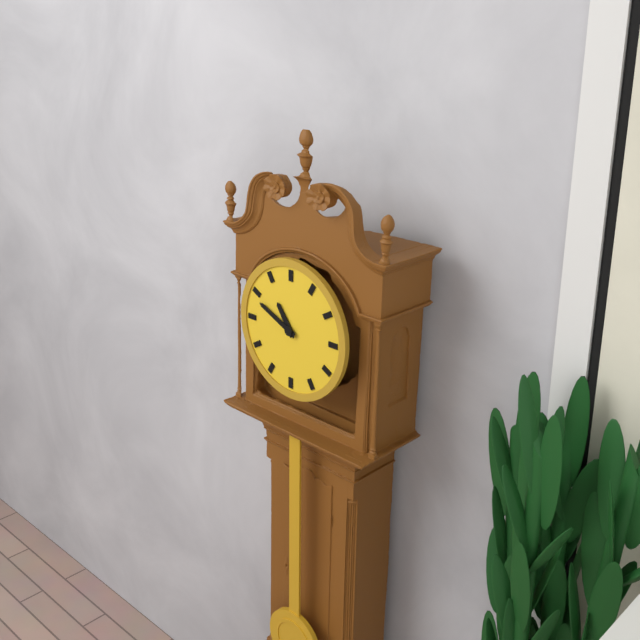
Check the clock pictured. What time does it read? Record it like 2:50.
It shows 10:49
